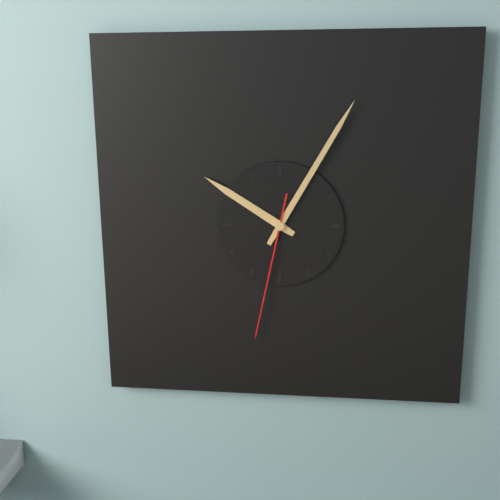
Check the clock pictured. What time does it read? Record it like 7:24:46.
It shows 10:05:32
